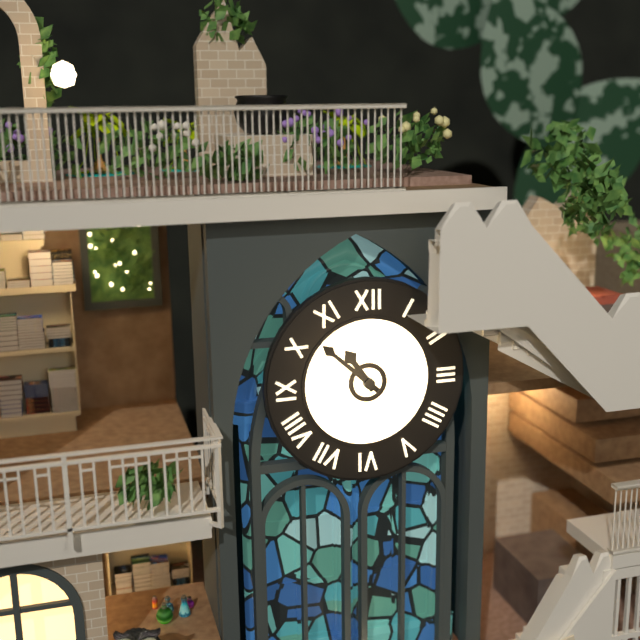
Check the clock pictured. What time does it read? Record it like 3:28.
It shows 10:52
